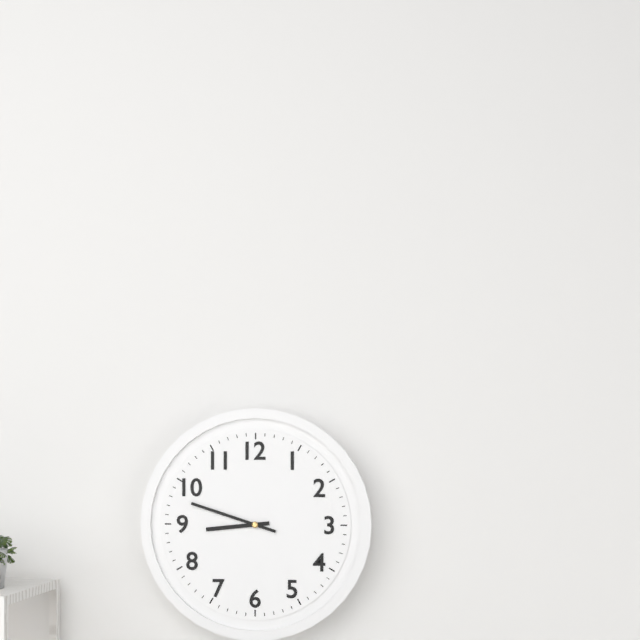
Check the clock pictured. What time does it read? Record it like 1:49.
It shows 8:48
